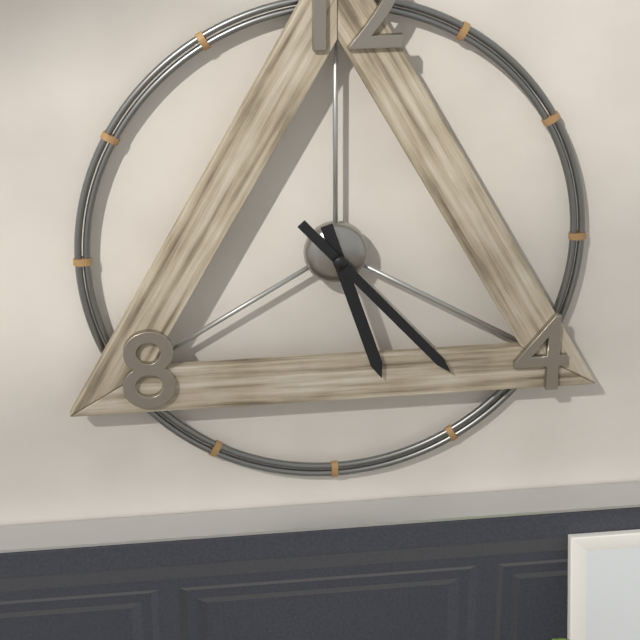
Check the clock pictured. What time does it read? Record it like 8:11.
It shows 5:23
